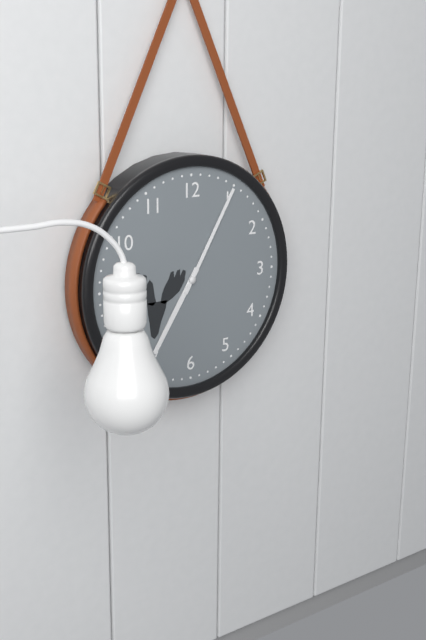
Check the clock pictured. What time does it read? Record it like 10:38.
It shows 7:05
